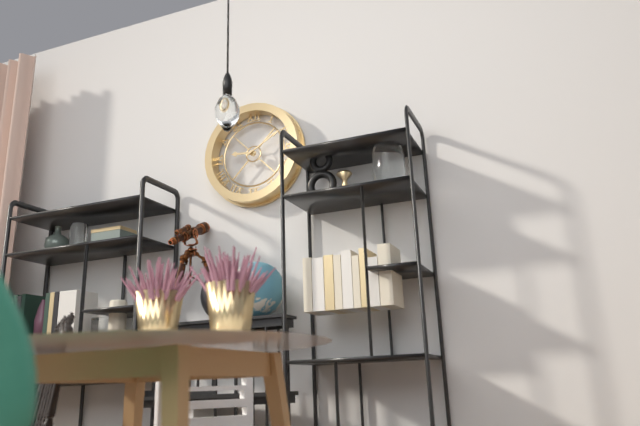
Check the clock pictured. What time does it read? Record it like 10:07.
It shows 9:10
